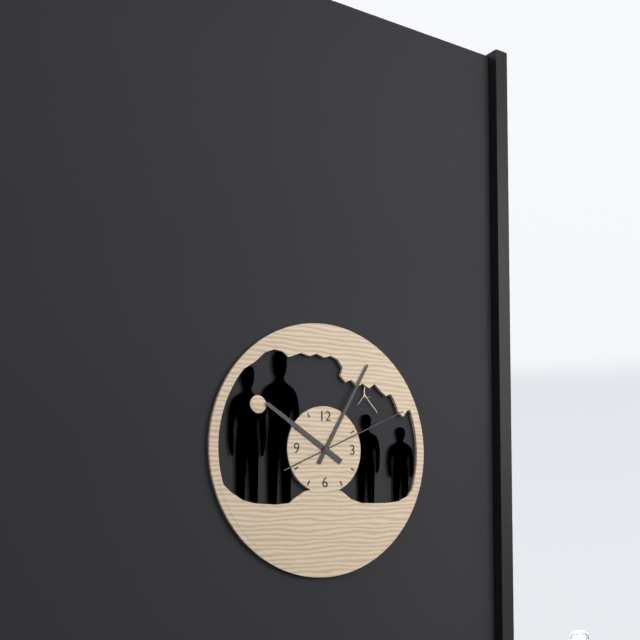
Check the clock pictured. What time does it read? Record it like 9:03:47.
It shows 10:05:11
